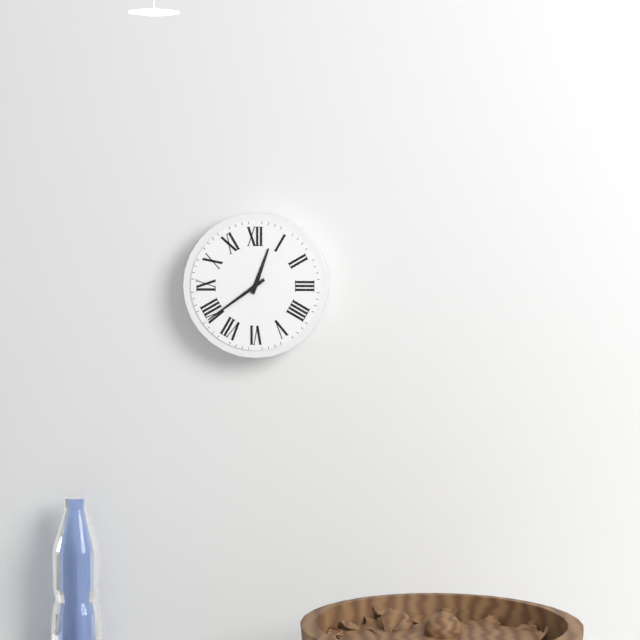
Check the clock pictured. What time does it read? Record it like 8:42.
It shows 12:39
